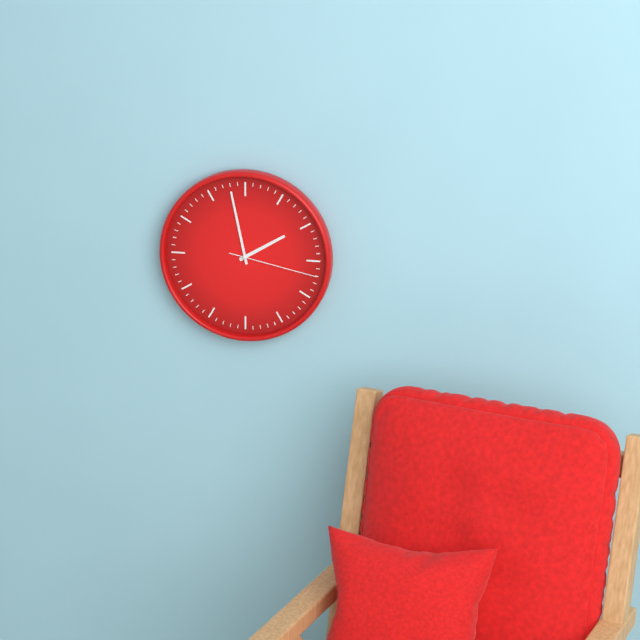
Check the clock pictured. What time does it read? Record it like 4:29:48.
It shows 1:58:17
